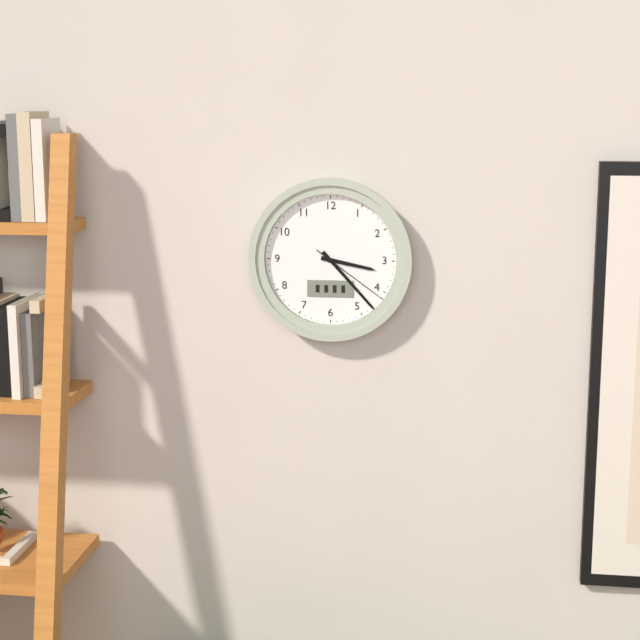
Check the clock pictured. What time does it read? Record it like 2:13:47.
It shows 3:23:21
